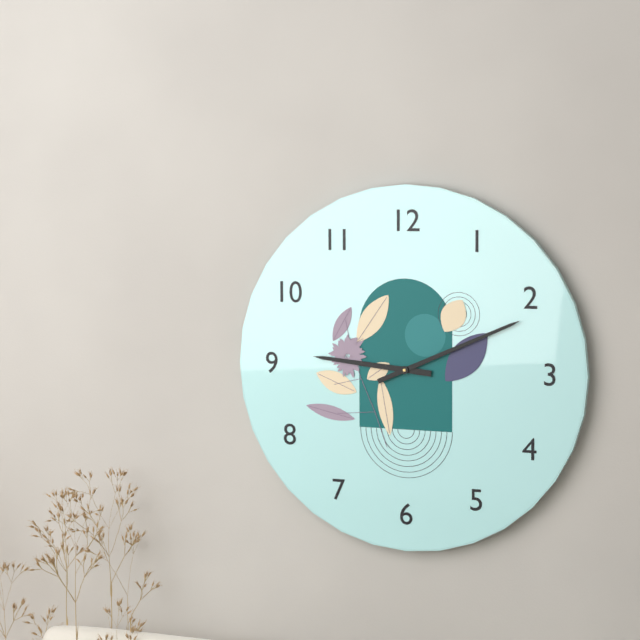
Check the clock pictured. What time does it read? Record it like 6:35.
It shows 9:11
